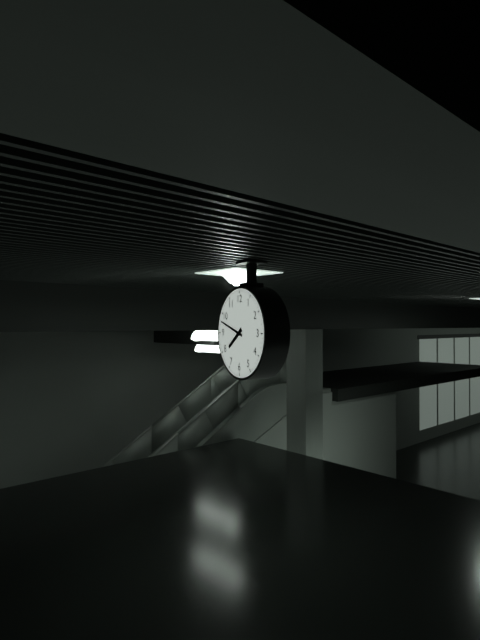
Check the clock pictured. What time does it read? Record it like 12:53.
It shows 7:48
